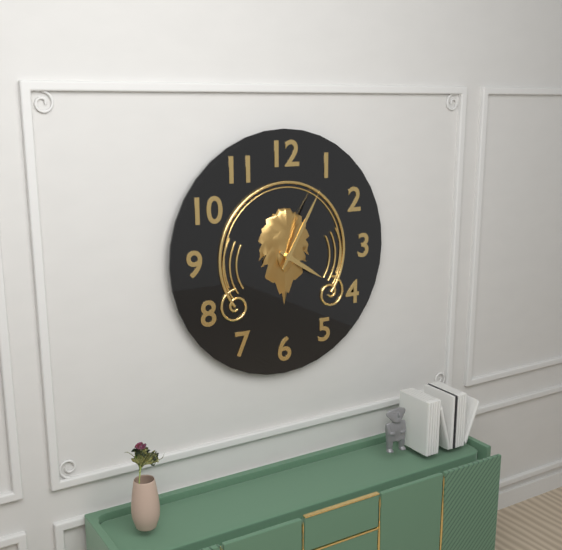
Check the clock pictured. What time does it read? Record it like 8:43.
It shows 4:05
